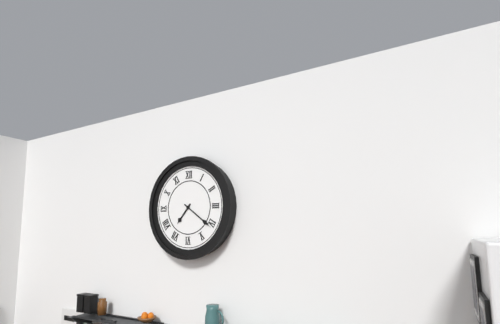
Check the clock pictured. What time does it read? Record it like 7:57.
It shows 7:21
